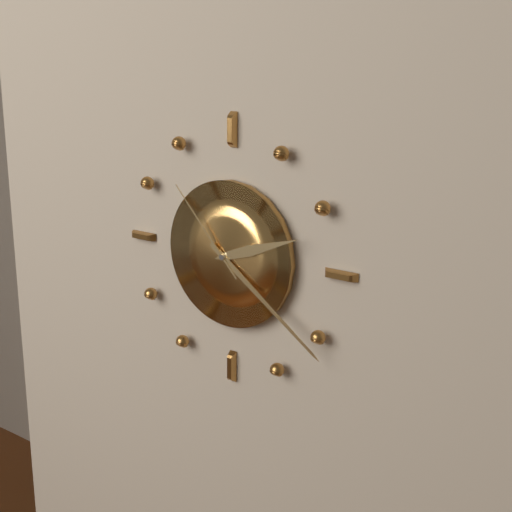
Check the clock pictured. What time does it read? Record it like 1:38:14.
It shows 2:21:53
